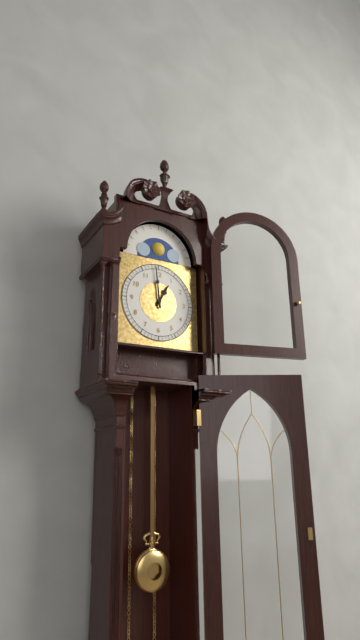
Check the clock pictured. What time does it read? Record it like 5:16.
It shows 12:59
